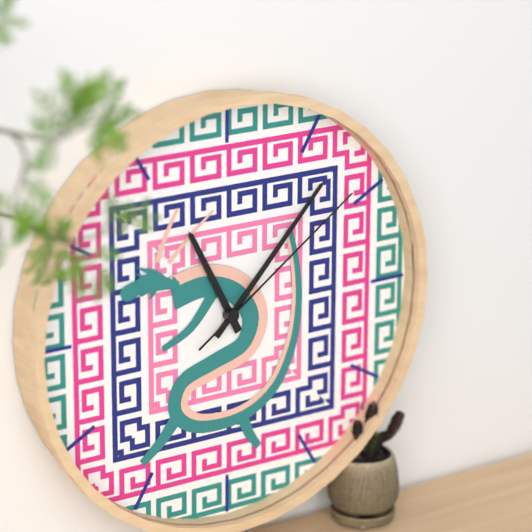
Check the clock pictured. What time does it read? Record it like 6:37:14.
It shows 11:07:09
